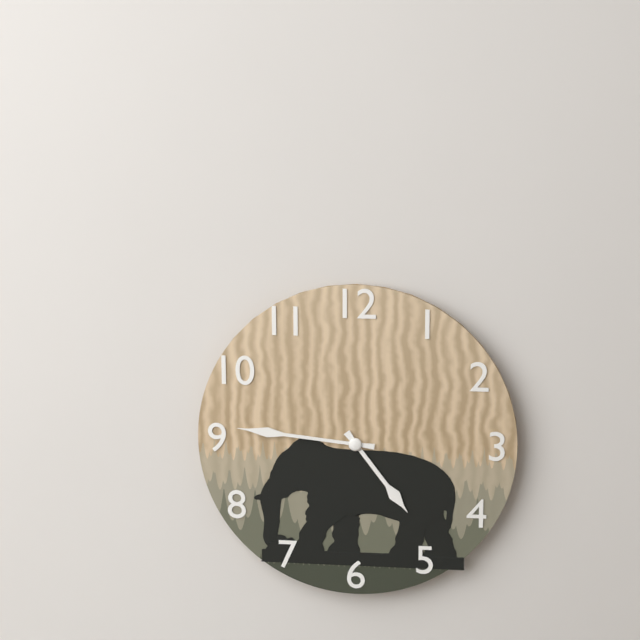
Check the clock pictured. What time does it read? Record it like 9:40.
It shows 4:46
